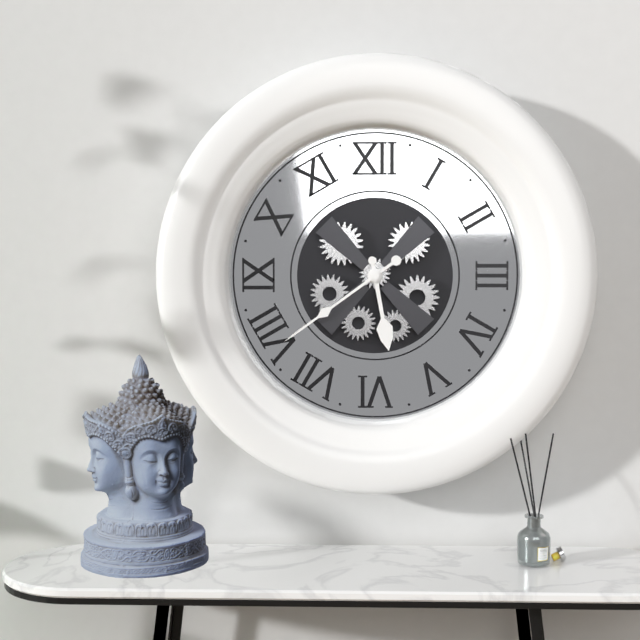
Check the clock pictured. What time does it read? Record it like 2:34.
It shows 5:39
